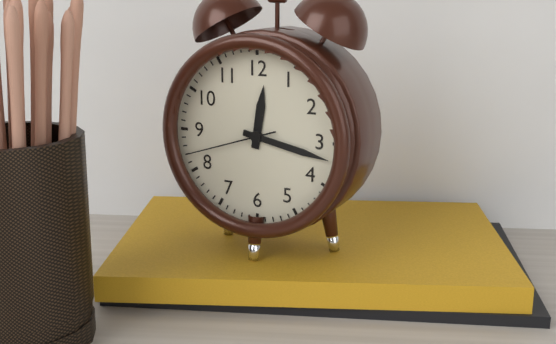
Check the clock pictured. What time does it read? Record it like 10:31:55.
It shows 12:17:42
